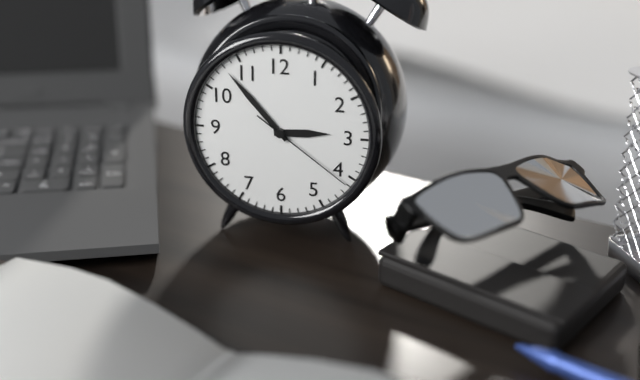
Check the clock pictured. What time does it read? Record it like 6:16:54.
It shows 2:53:21
